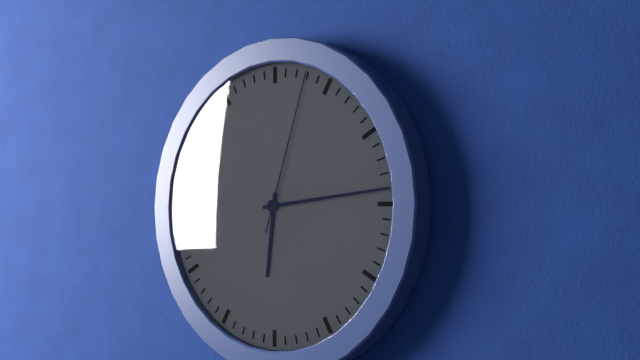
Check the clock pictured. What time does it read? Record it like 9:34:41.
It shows 6:14:03
